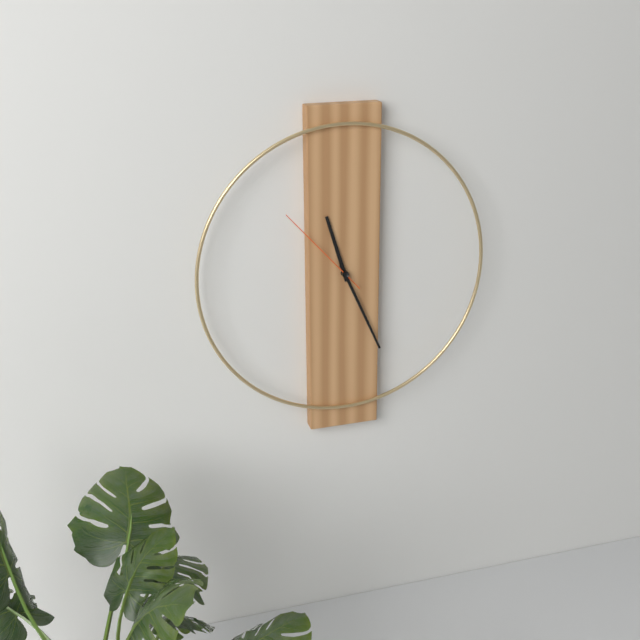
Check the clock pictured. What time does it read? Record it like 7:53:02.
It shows 11:26:53
